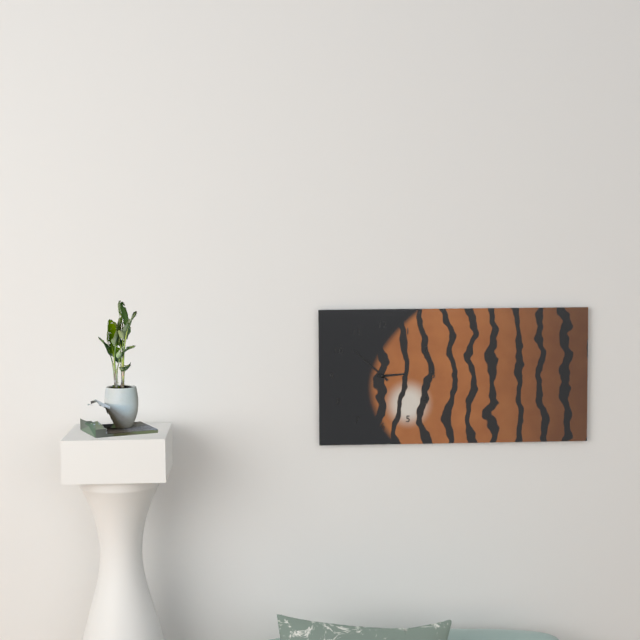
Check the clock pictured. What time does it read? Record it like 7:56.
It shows 2:52
